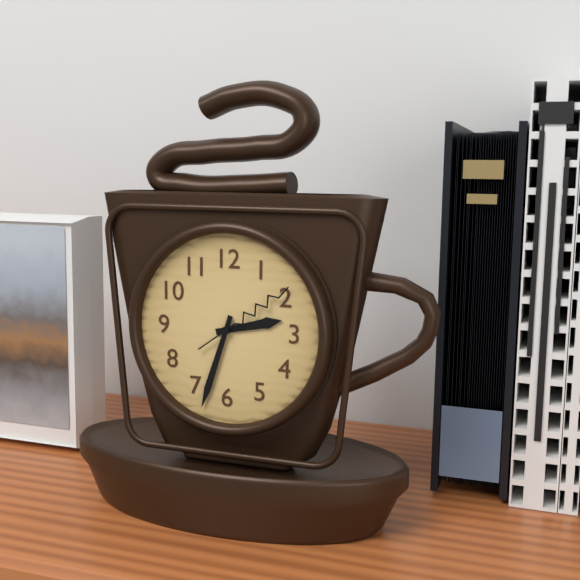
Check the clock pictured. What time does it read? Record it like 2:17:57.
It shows 2:33:09
